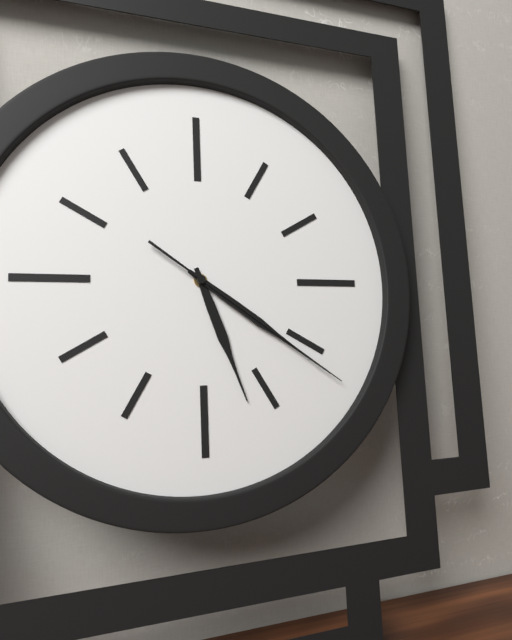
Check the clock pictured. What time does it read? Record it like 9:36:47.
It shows 5:21:21
